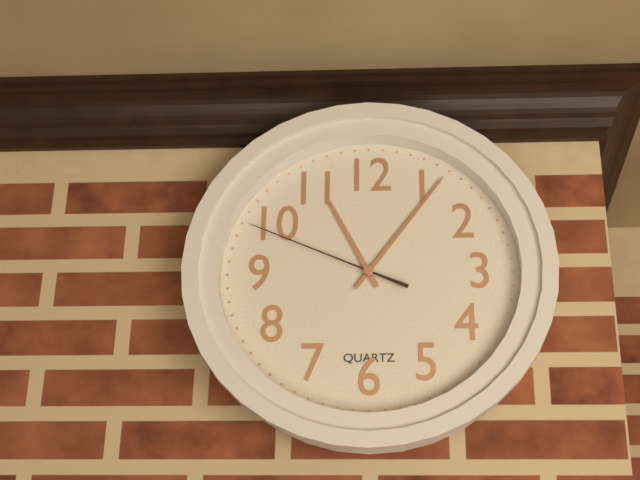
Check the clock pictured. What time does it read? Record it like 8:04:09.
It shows 11:06:49
